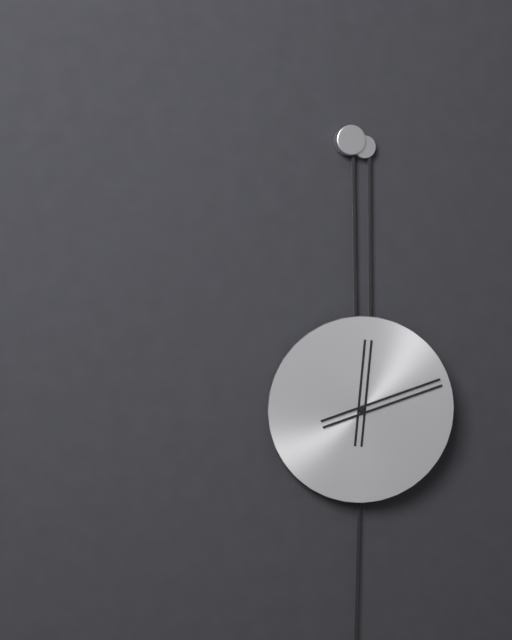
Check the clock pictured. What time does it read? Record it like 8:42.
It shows 12:12
